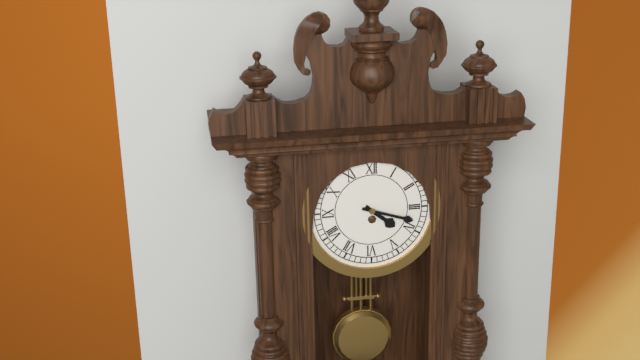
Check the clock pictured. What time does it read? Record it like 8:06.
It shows 4:18
